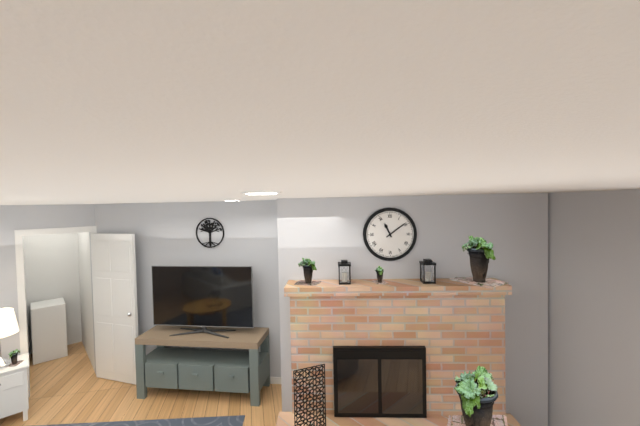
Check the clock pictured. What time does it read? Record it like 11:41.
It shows 11:09
